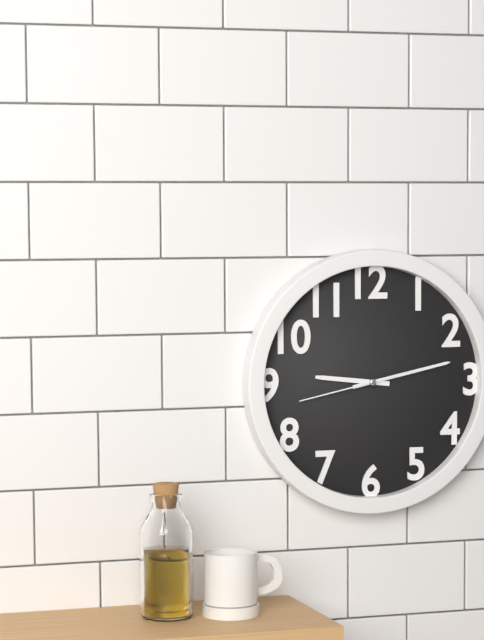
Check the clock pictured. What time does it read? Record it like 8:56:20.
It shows 9:13:43
